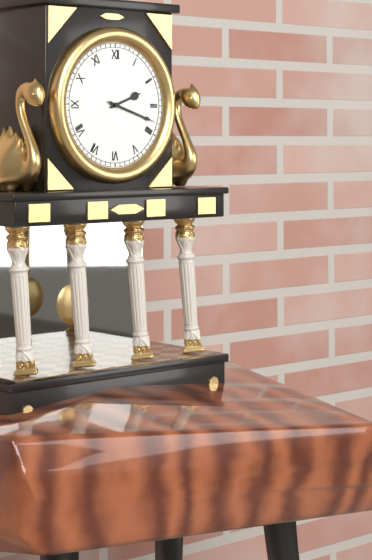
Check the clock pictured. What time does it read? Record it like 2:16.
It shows 2:18
